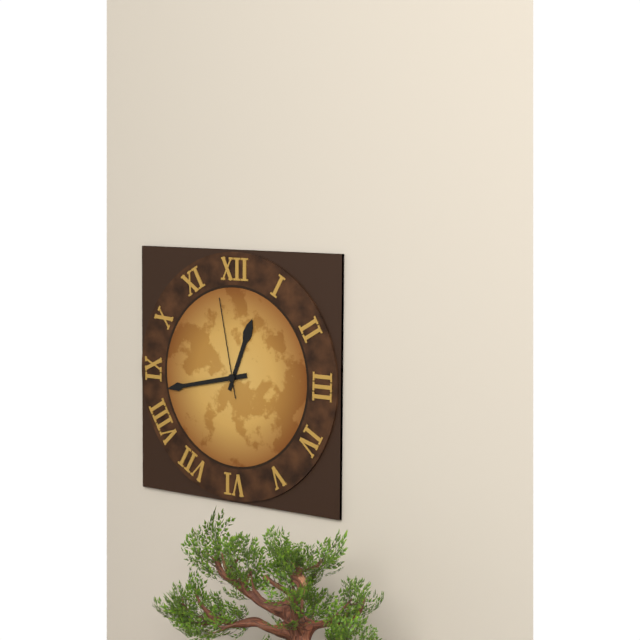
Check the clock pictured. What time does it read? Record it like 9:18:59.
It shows 12:43:58
